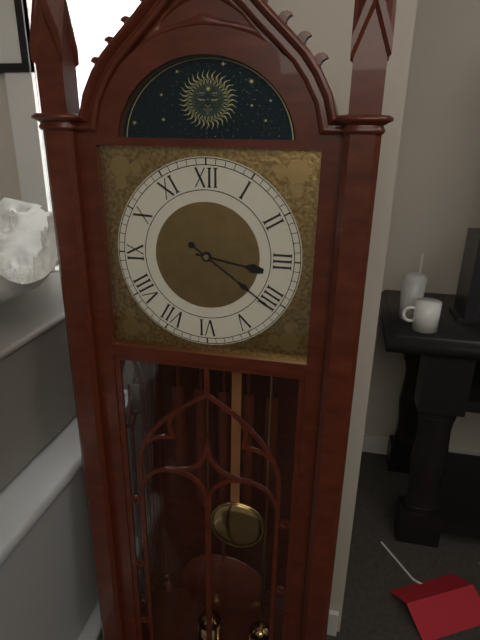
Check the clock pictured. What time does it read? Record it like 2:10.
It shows 3:21
